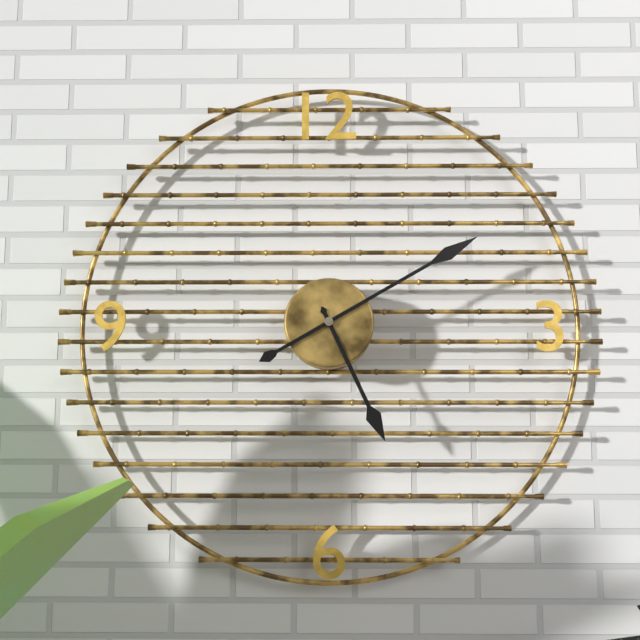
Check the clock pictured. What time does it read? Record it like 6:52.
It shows 5:10
